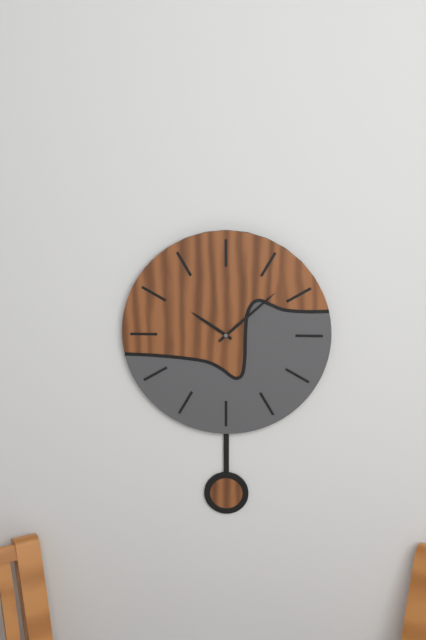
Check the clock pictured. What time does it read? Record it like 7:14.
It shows 10:08
